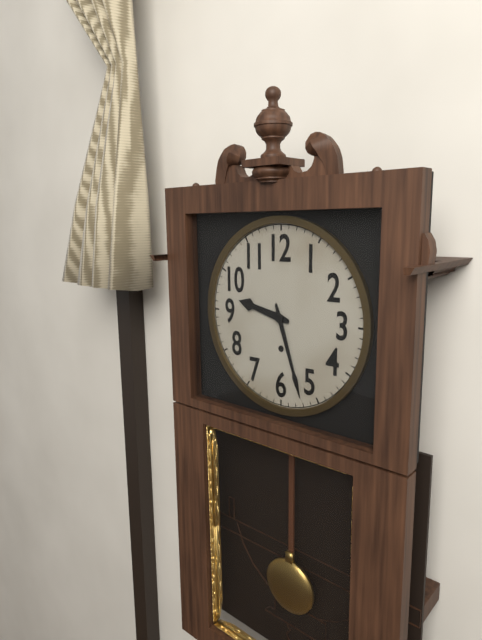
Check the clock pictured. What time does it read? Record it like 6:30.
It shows 9:27
